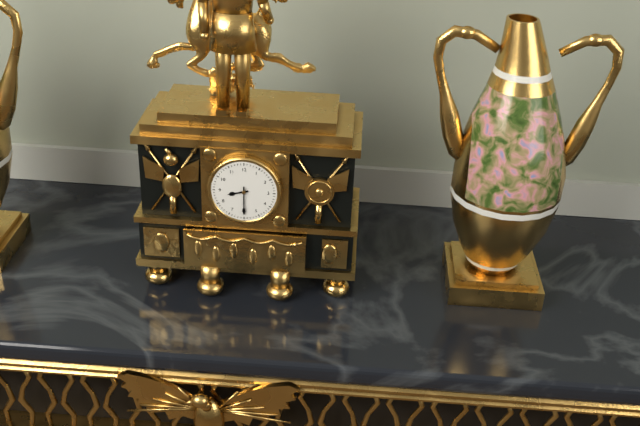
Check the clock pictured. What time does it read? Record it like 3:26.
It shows 8:30
